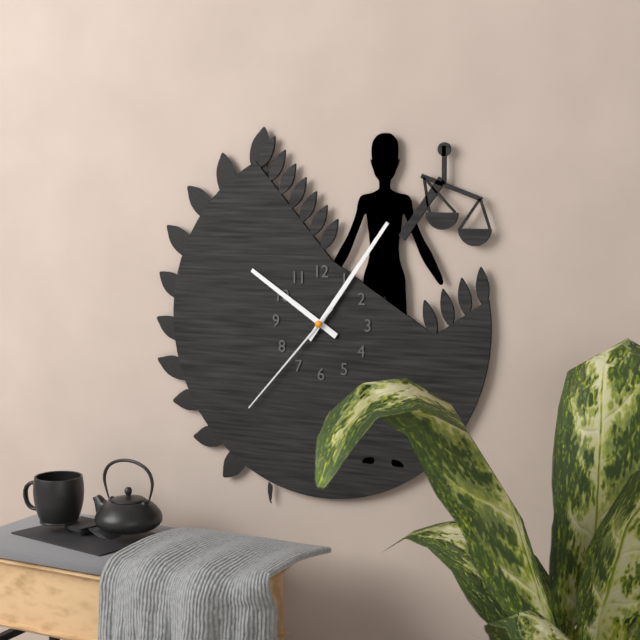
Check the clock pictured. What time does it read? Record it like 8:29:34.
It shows 10:06:37
